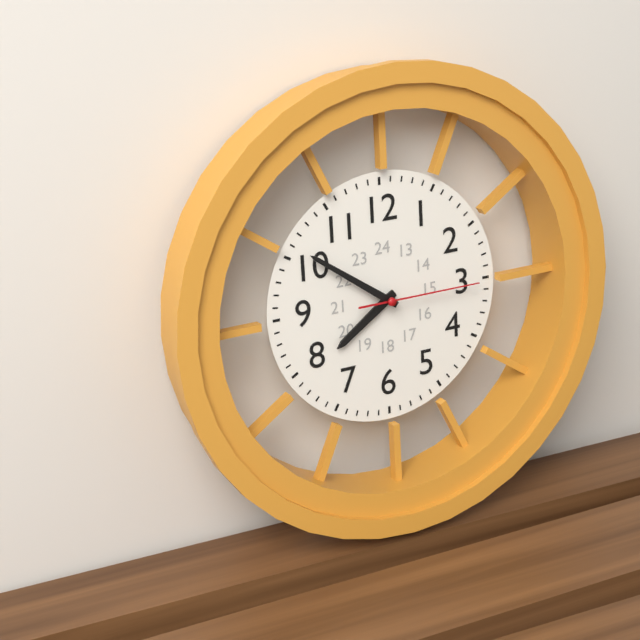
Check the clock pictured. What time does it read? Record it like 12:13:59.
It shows 7:51:15
